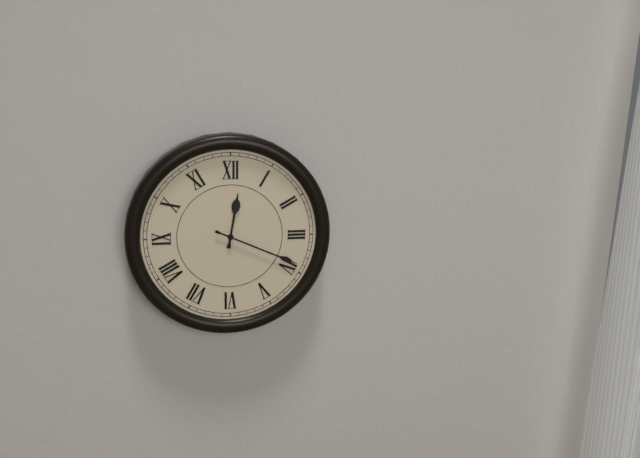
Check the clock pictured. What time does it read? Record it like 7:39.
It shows 12:19
